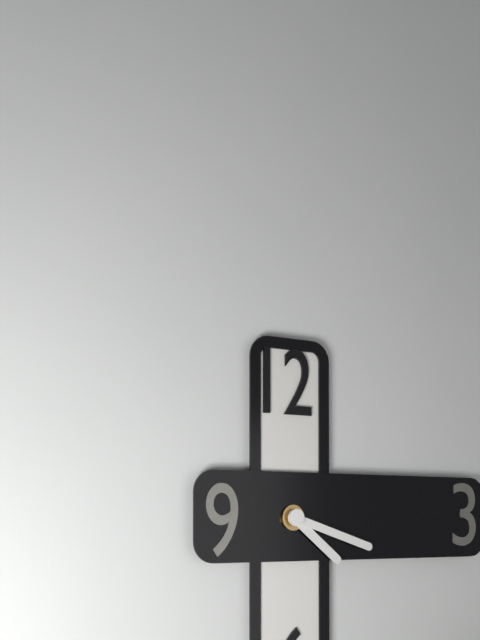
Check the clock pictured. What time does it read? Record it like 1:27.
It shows 4:18
